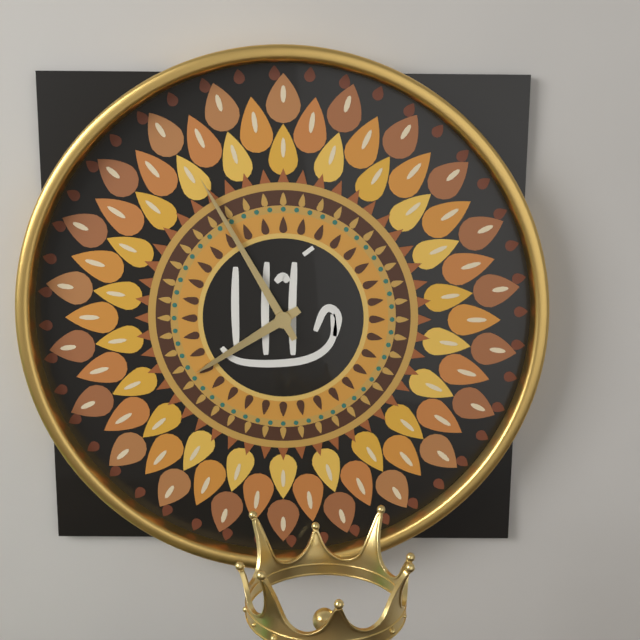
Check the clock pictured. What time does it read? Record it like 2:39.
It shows 7:55
